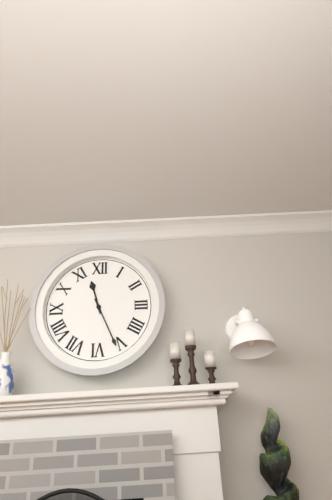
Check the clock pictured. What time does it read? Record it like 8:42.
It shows 11:26
